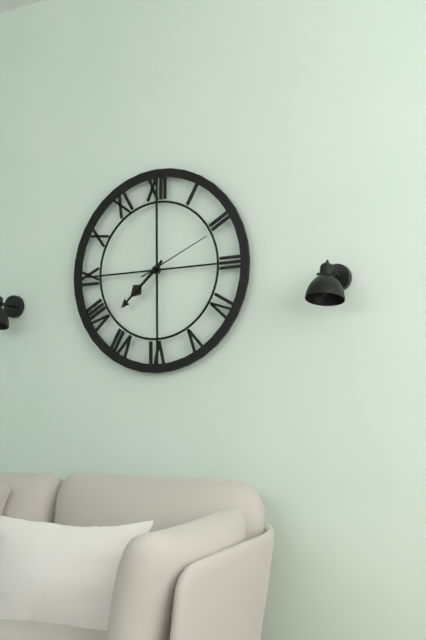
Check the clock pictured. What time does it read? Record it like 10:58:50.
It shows 7:38:11
